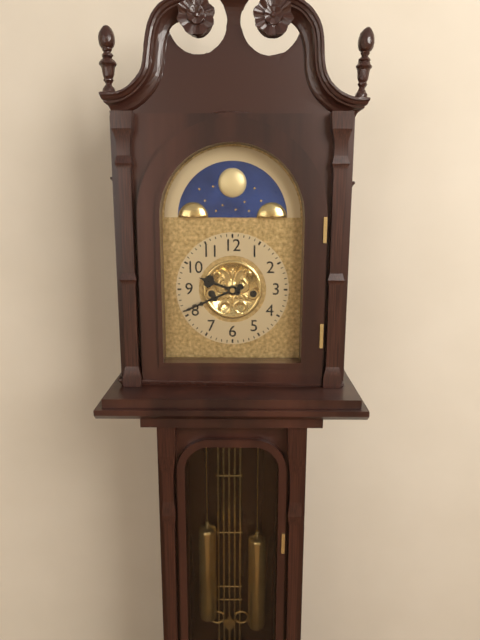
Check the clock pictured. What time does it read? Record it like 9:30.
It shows 9:41
